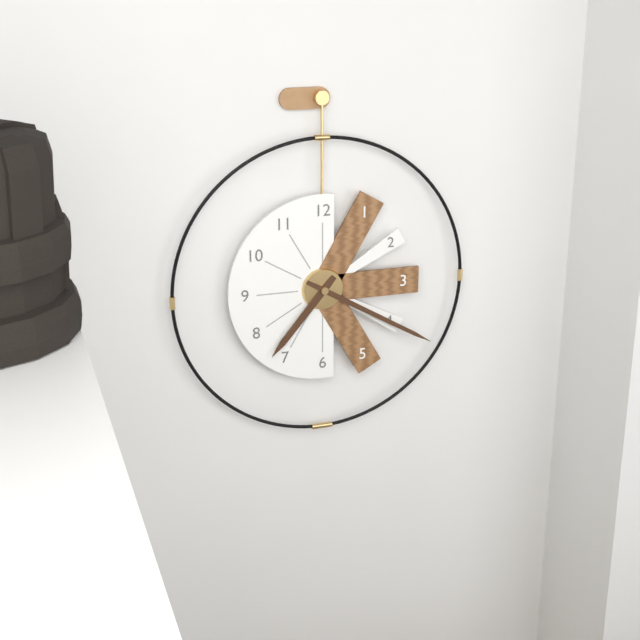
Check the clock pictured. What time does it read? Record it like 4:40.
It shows 7:20
